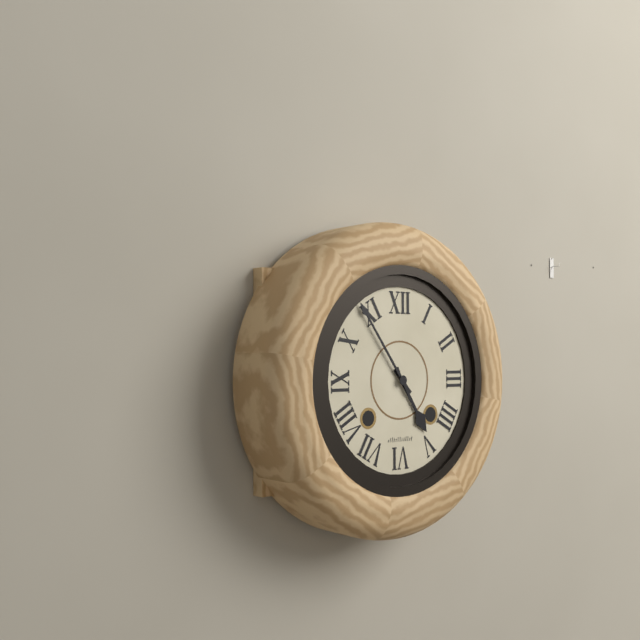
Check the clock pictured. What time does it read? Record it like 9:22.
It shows 4:54
